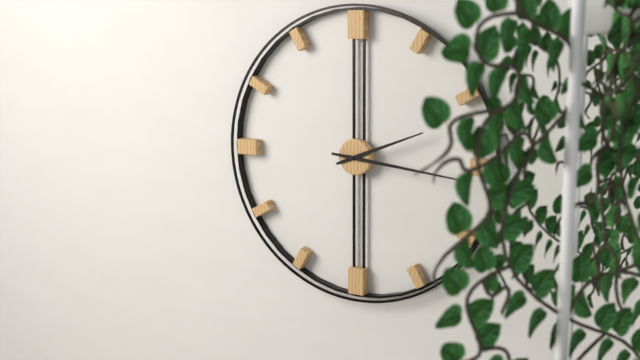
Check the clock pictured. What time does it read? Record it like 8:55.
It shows 2:16
